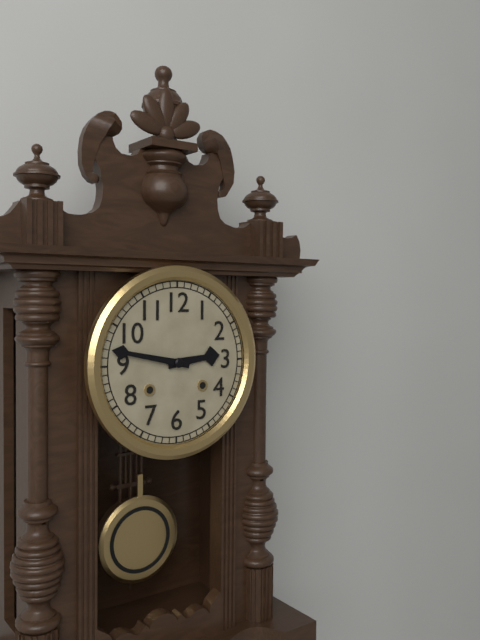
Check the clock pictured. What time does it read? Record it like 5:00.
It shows 2:47
